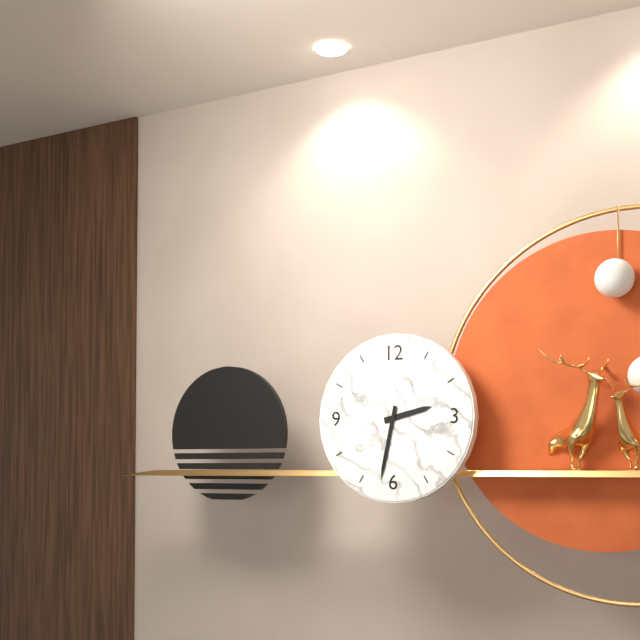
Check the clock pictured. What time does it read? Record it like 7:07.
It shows 2:32
